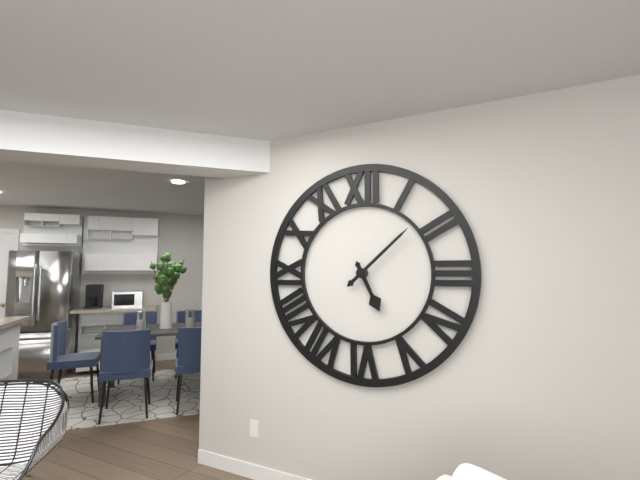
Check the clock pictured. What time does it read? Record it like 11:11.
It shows 5:08
